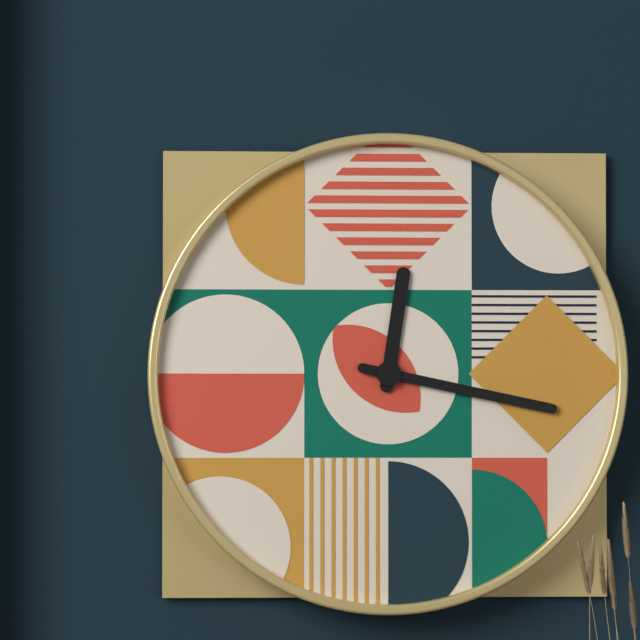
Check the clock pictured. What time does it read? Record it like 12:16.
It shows 12:17
